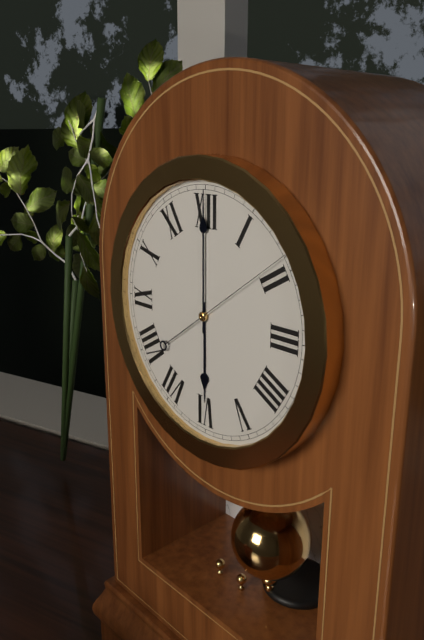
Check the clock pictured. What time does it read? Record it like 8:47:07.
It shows 6:00:09
